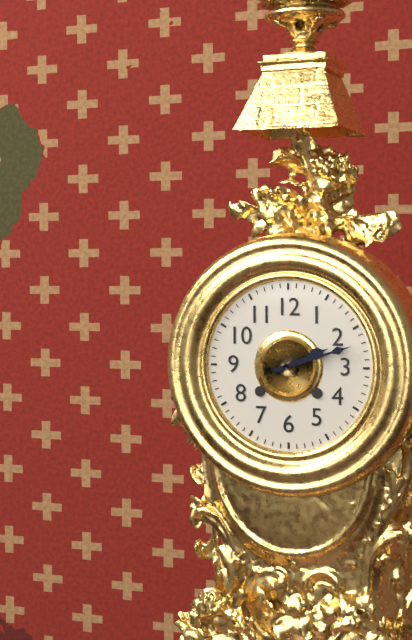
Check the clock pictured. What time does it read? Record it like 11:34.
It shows 2:12
